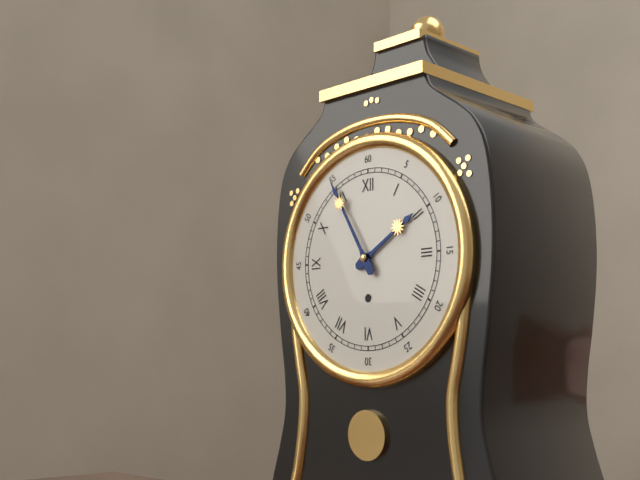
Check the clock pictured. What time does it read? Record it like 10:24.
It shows 1:55
